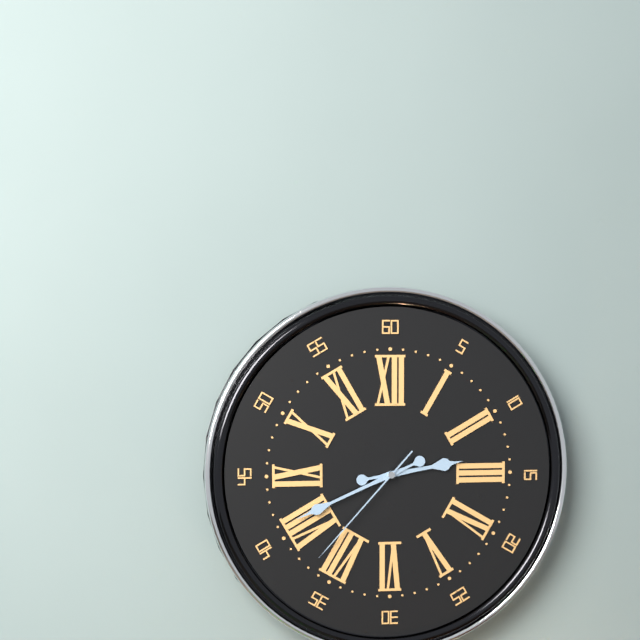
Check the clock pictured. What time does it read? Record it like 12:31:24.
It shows 2:41:37
